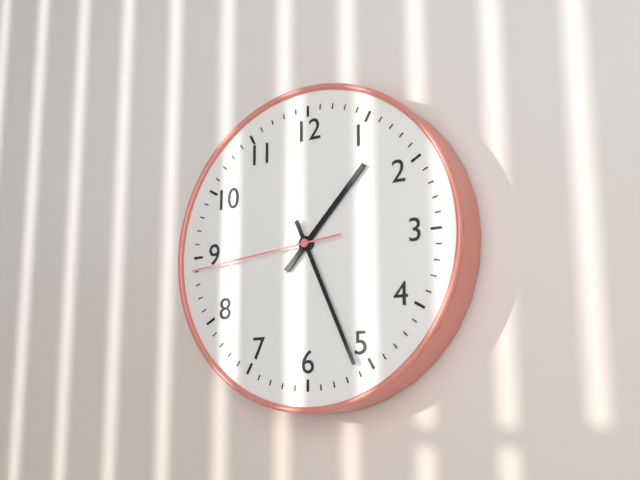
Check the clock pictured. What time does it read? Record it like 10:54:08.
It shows 1:26:44
